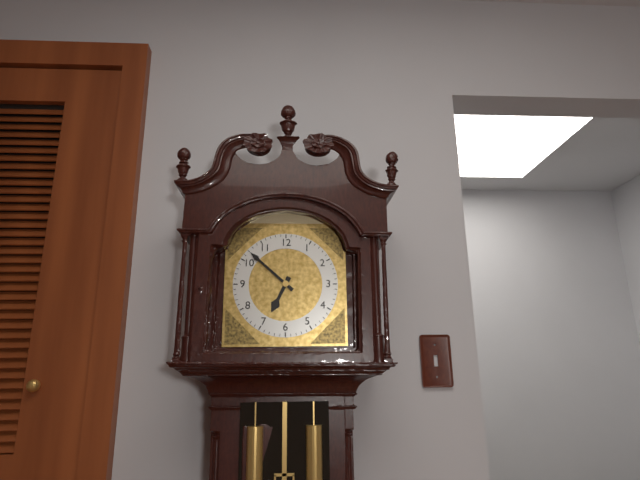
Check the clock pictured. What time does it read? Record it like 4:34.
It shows 6:52
